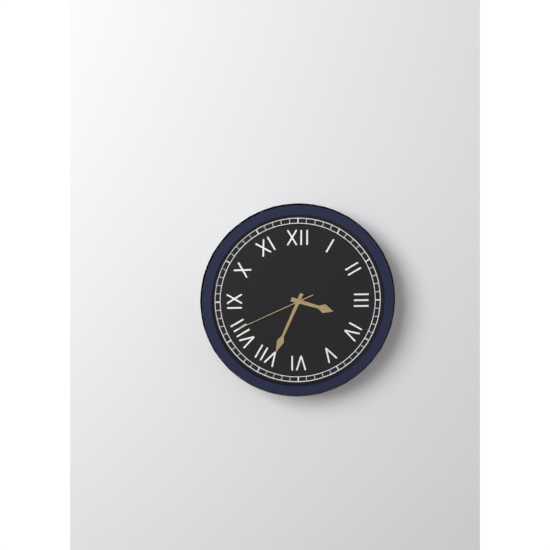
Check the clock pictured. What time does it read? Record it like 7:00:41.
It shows 3:34:41
